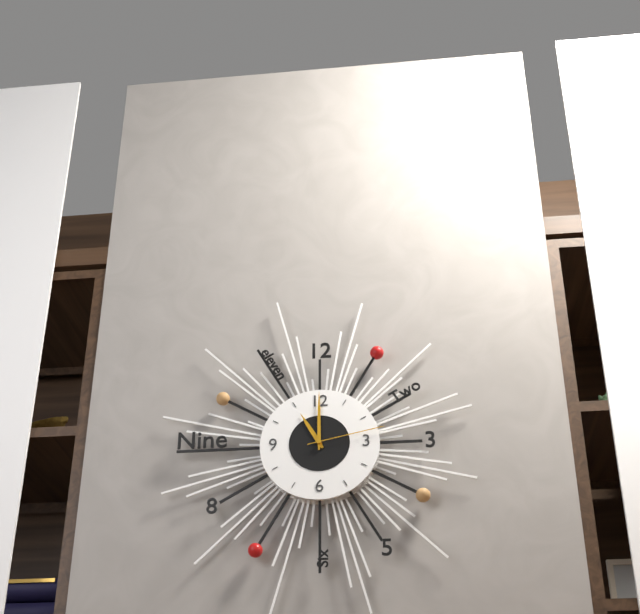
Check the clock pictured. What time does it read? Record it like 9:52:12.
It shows 11:00:13
